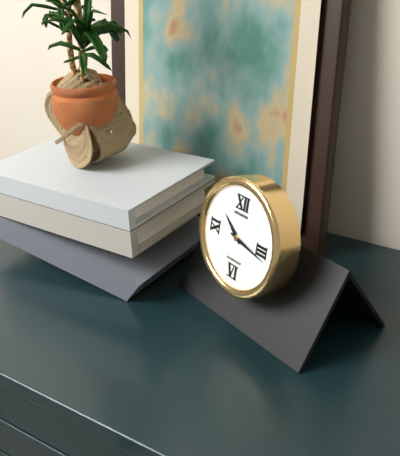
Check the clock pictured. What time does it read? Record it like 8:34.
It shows 10:17
